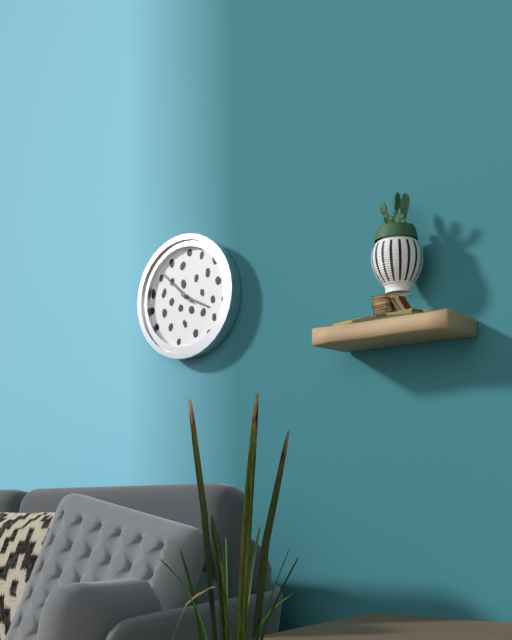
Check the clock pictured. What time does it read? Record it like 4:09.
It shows 3:52
